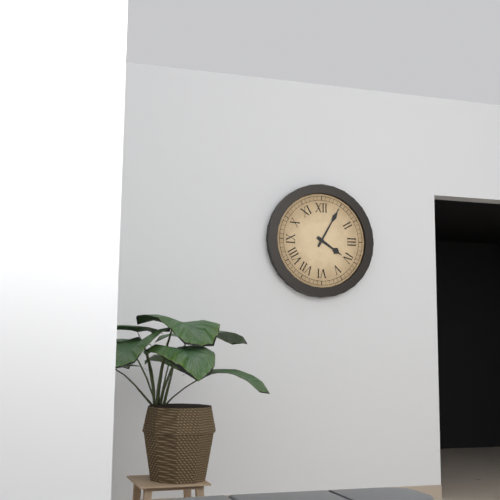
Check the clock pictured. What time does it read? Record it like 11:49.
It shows 4:05
